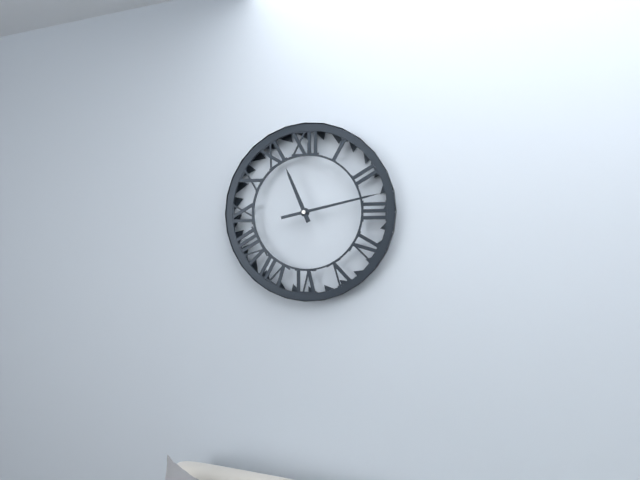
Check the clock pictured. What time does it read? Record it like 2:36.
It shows 11:13
